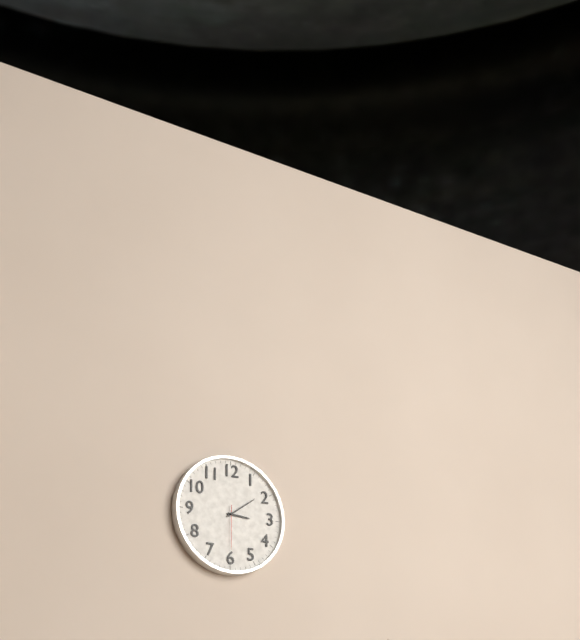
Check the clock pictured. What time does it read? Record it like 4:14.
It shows 3:09
